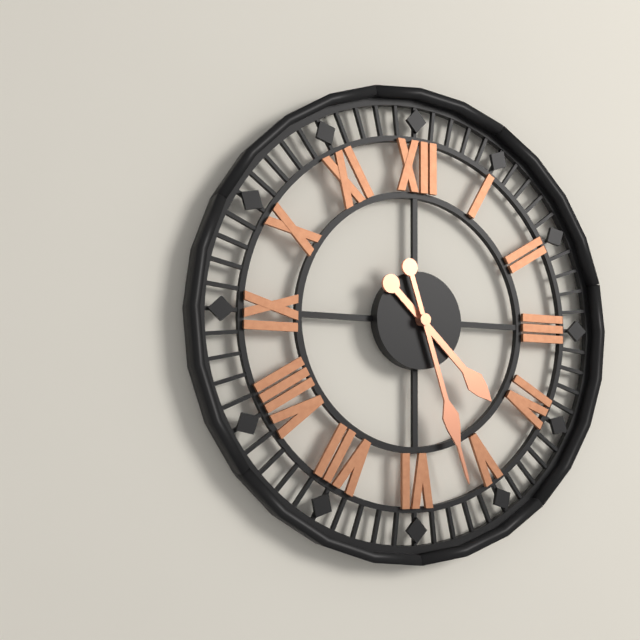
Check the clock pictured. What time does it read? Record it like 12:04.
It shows 4:27
